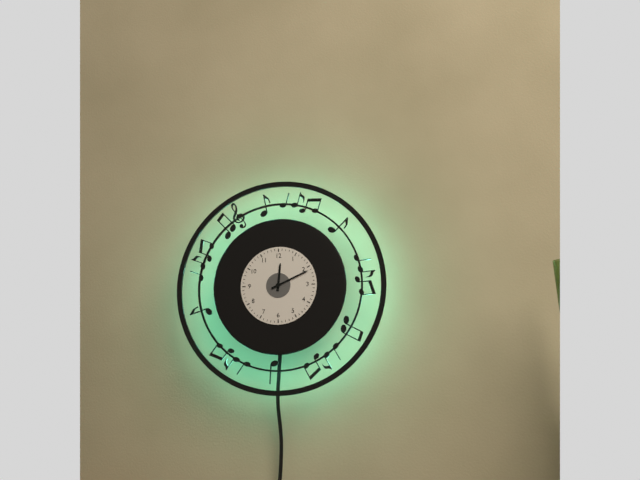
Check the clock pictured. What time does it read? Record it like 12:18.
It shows 12:11
